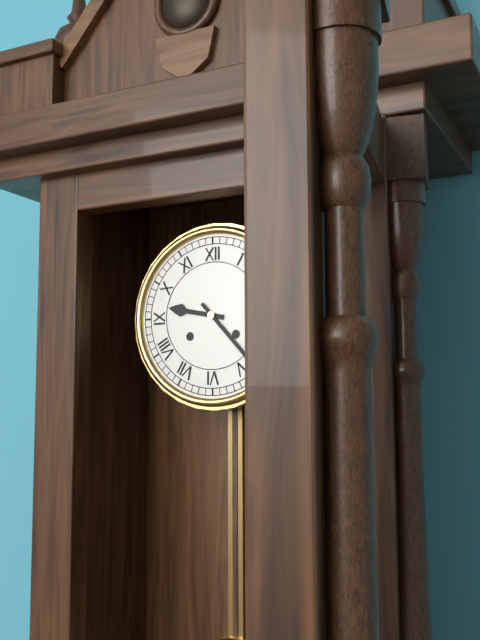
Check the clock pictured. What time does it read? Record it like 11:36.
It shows 9:23
